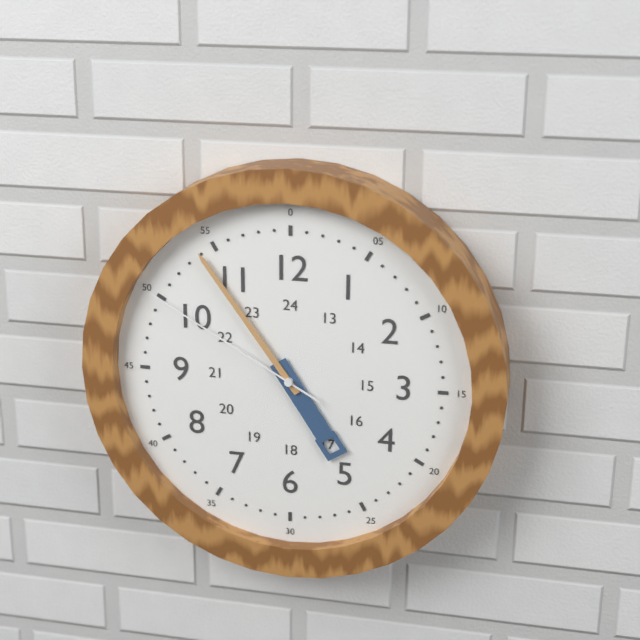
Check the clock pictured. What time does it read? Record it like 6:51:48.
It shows 4:54:50
